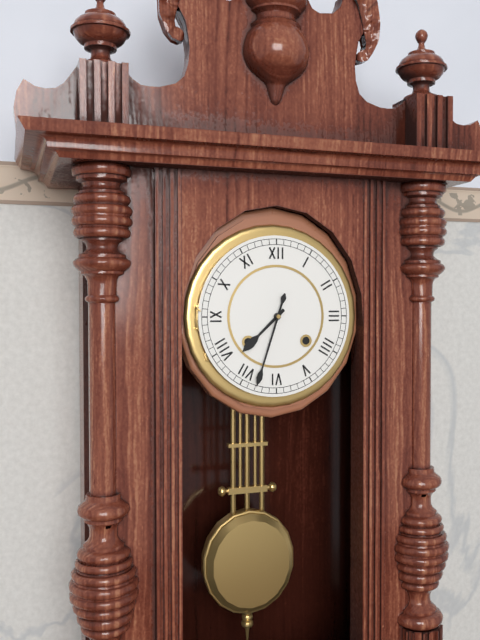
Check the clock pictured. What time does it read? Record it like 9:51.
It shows 7:33
